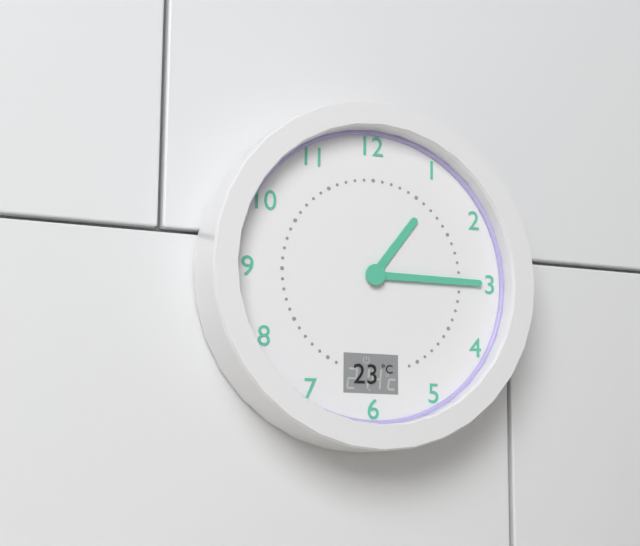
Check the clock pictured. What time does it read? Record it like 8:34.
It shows 1:15
